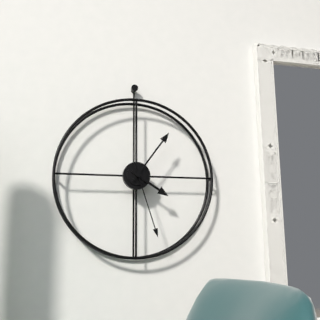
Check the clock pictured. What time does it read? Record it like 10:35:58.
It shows 4:06:27
